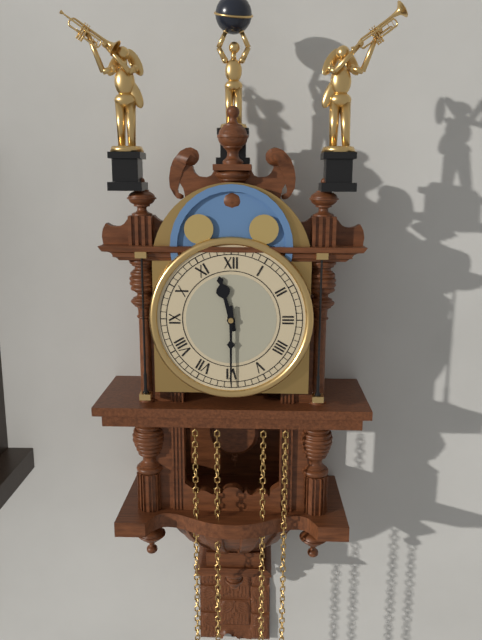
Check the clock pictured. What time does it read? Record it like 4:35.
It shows 11:30
